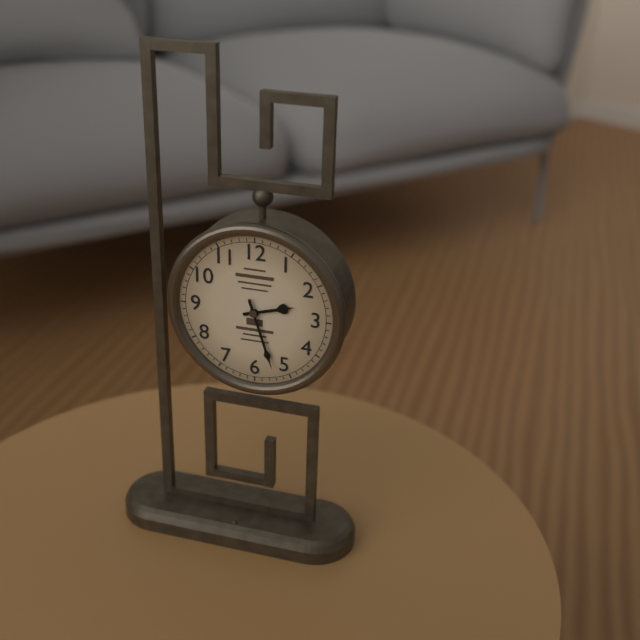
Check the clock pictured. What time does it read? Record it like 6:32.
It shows 2:27
